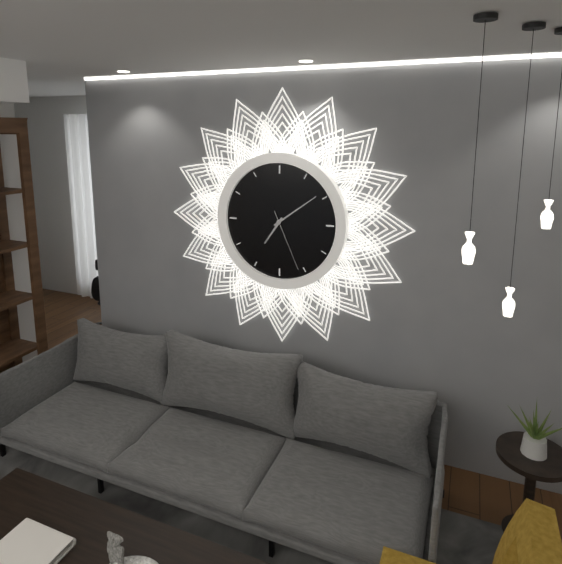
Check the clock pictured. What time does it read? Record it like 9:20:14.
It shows 7:09:26
